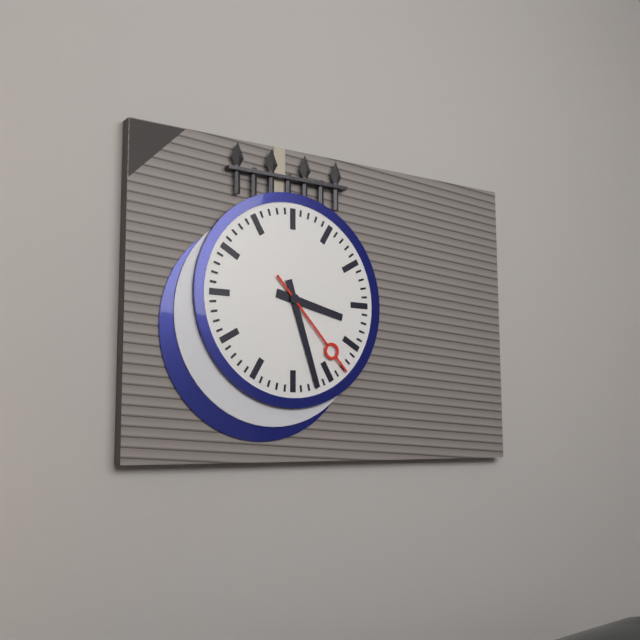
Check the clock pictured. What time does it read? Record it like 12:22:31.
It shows 3:27:23
